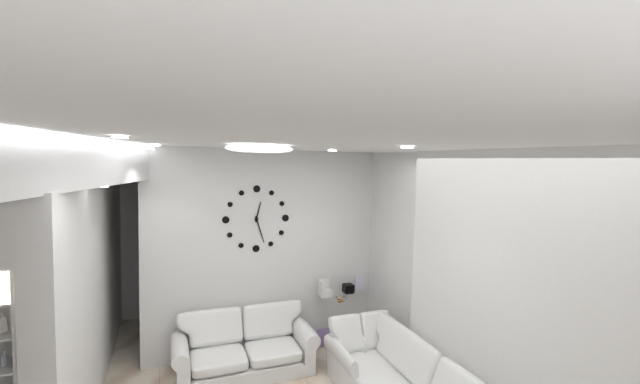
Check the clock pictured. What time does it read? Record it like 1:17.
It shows 12:27
